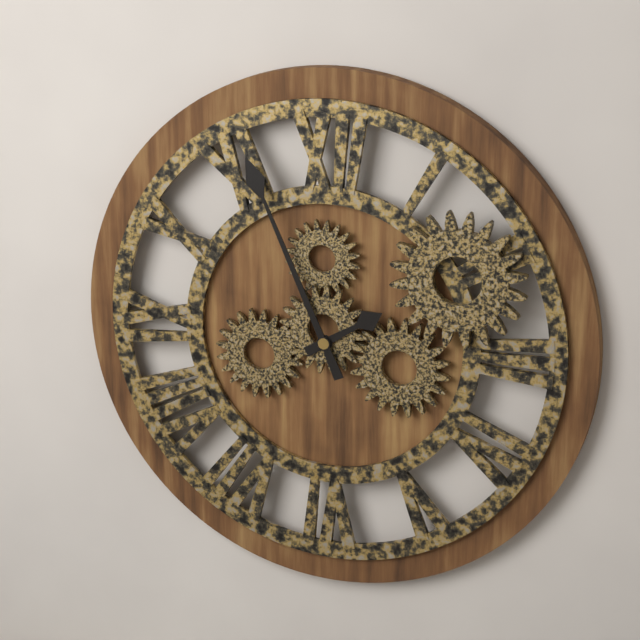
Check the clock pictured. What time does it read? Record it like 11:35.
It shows 1:56
